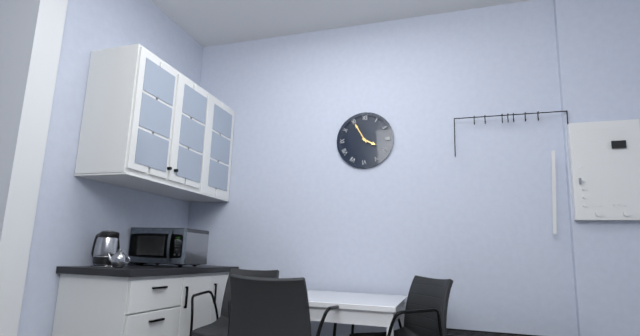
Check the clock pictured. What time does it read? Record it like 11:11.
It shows 3:55
